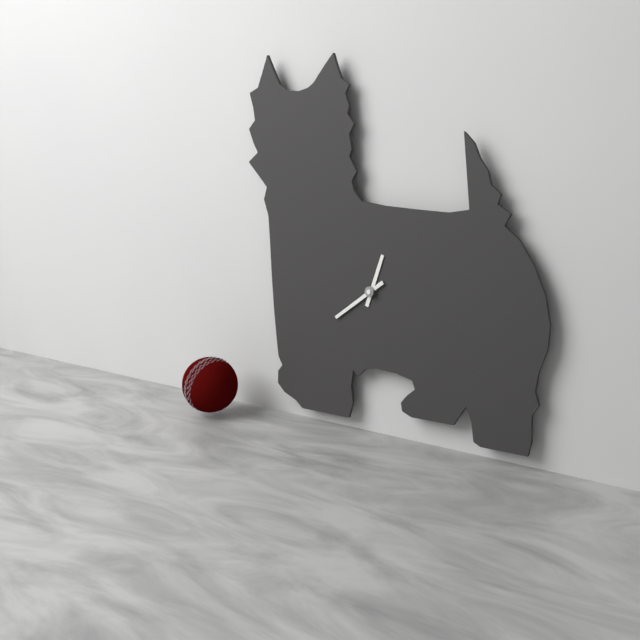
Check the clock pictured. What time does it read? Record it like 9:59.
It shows 12:39
